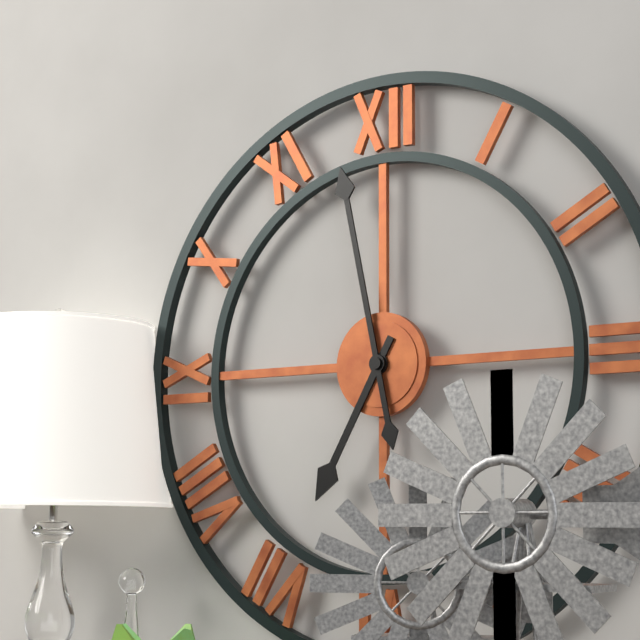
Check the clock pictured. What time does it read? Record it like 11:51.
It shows 6:58
